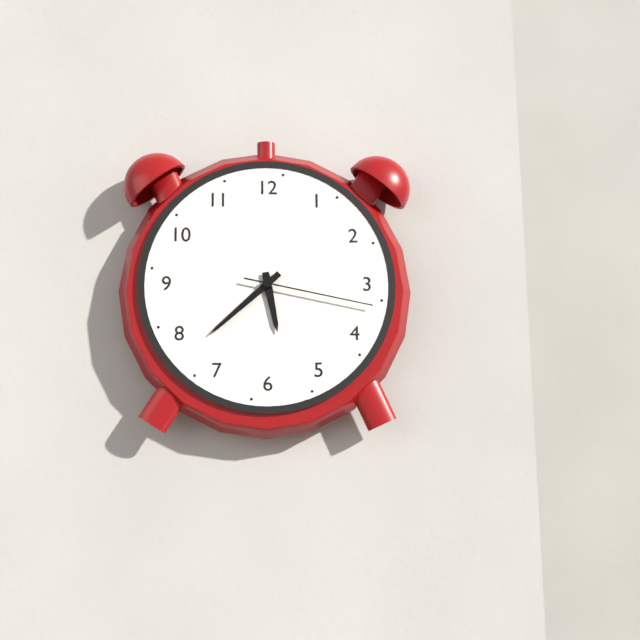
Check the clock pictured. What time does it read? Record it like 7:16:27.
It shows 5:38:17
